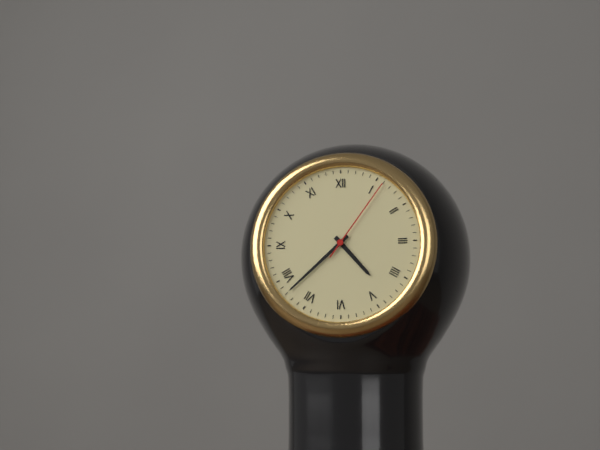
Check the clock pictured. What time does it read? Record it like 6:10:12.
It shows 4:38:06
